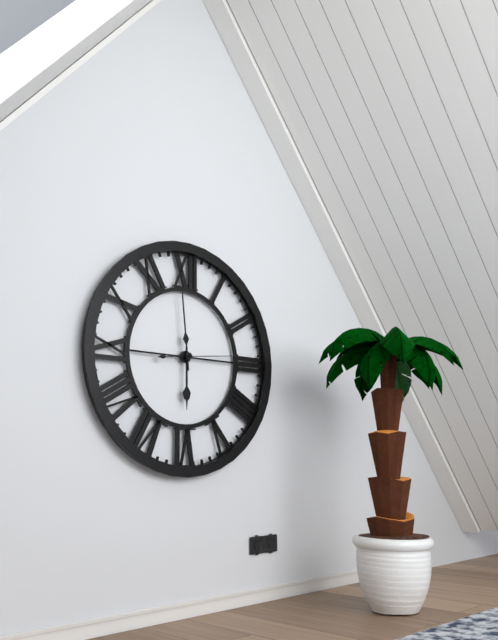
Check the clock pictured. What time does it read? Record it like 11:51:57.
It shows 5:59:14
